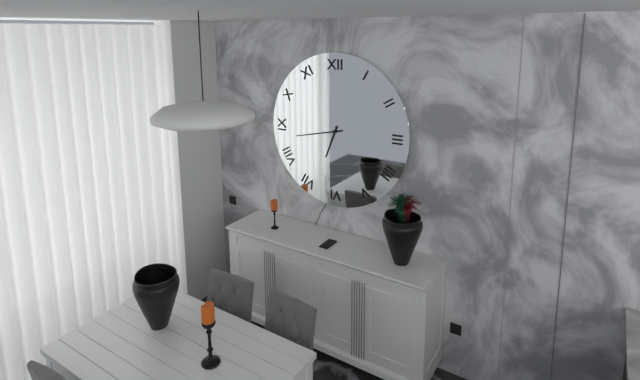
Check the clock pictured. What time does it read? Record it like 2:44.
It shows 6:43
